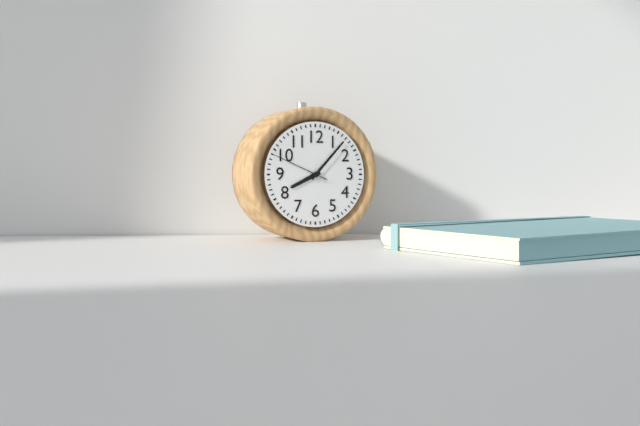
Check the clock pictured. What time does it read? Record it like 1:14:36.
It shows 8:07:49
